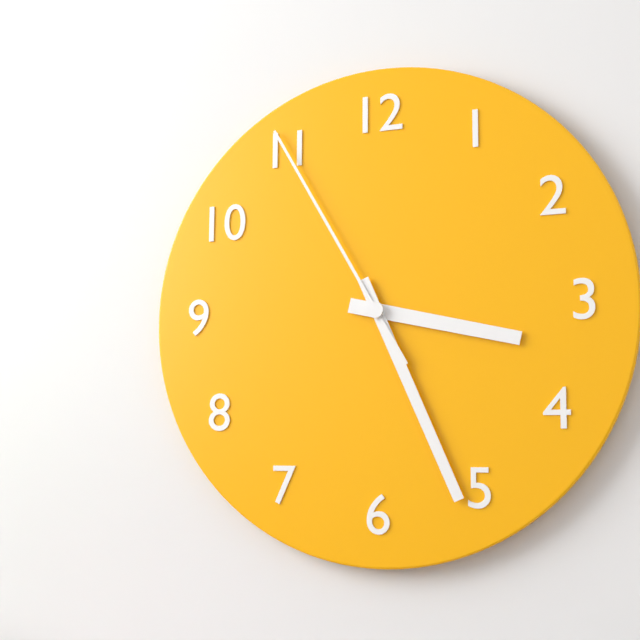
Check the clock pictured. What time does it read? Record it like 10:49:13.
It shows 3:26:55
